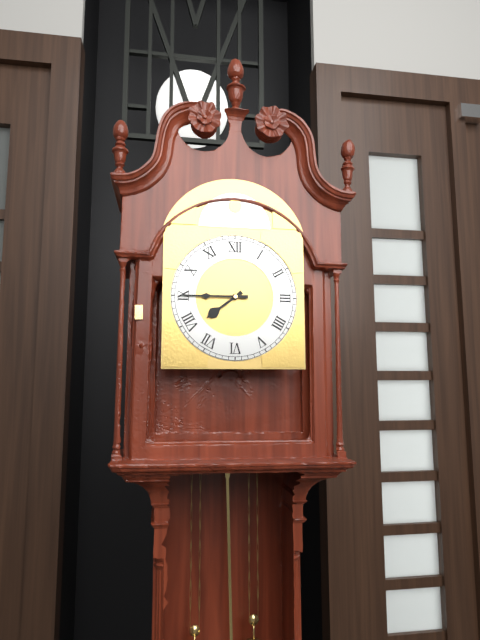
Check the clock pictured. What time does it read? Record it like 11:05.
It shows 7:45
